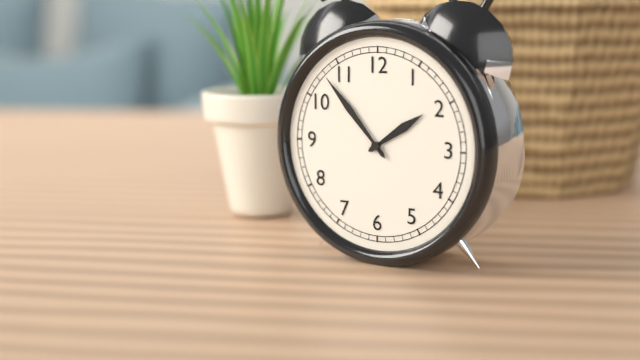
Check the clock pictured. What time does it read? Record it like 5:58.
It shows 1:53
